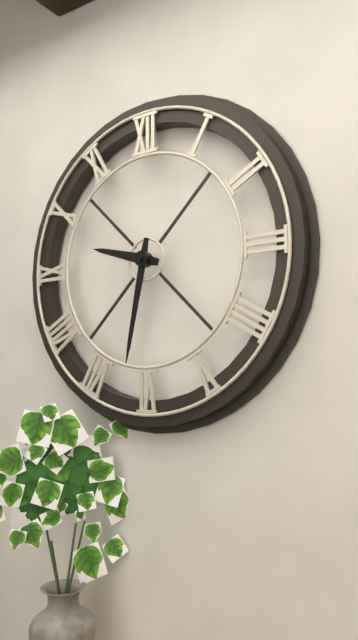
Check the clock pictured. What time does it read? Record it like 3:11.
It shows 9:32
